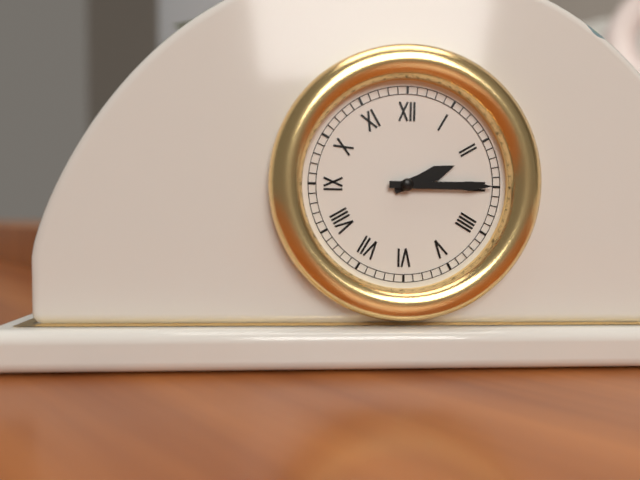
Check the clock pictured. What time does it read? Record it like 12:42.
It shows 2:15
